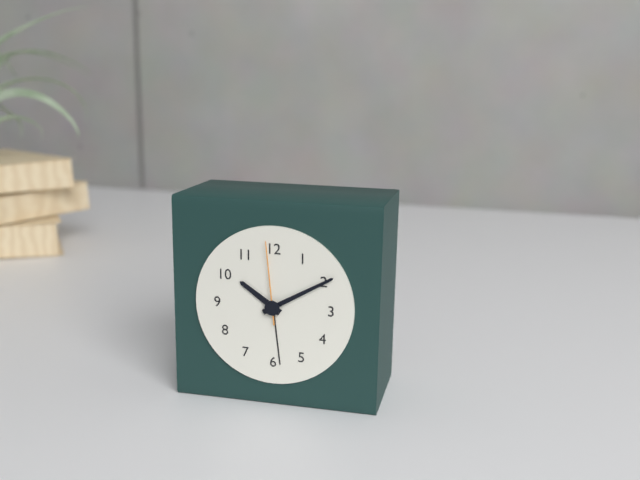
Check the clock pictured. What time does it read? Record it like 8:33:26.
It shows 10:10:59
